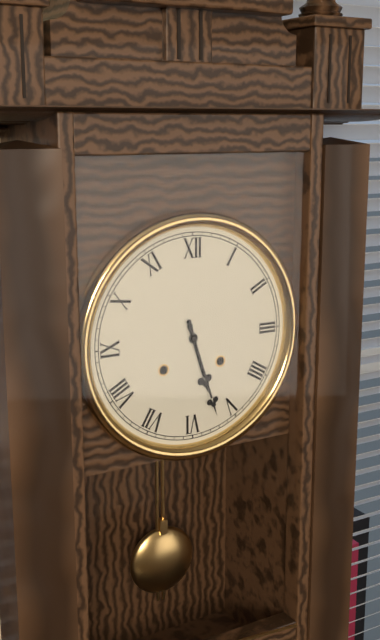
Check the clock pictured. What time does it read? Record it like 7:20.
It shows 5:27
